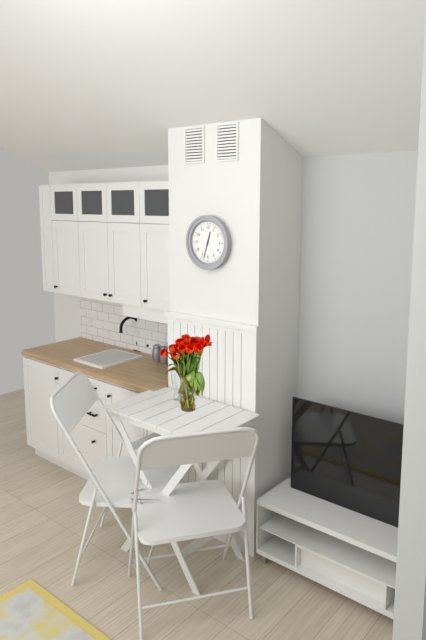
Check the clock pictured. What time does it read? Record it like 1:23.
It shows 12:33
